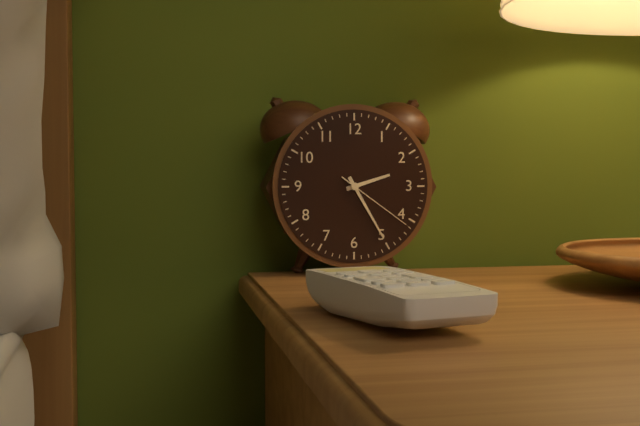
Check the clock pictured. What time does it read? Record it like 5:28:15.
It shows 2:25:21
